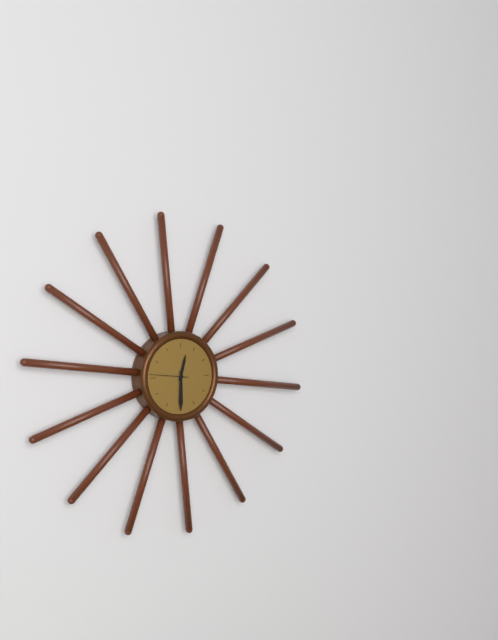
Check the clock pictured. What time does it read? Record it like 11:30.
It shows 12:30
